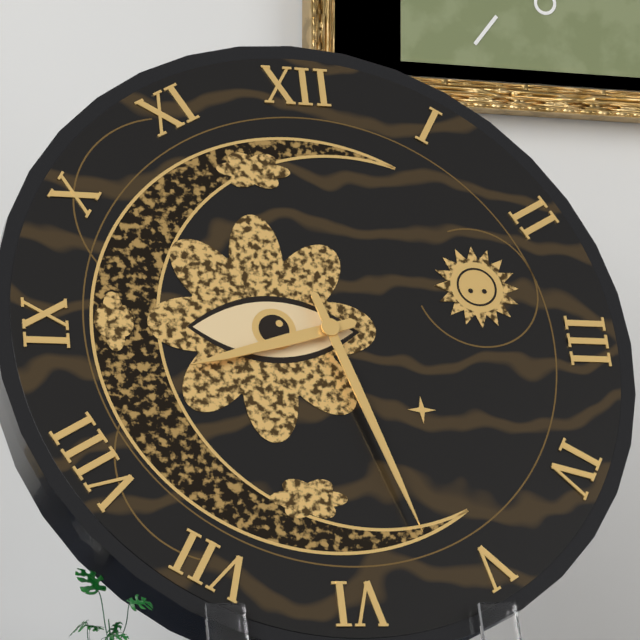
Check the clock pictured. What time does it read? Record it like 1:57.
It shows 8:27
